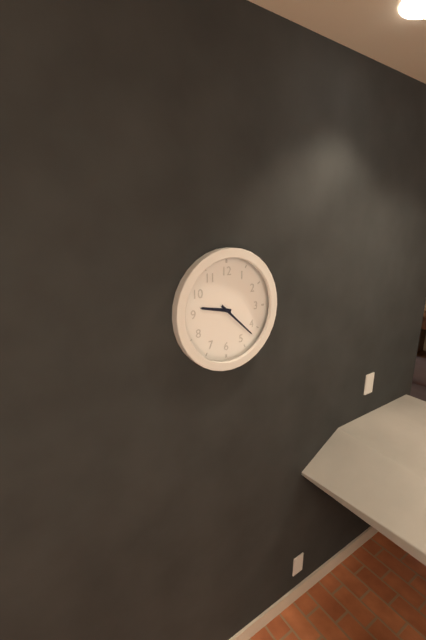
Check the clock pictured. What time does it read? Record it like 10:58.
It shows 9:22
